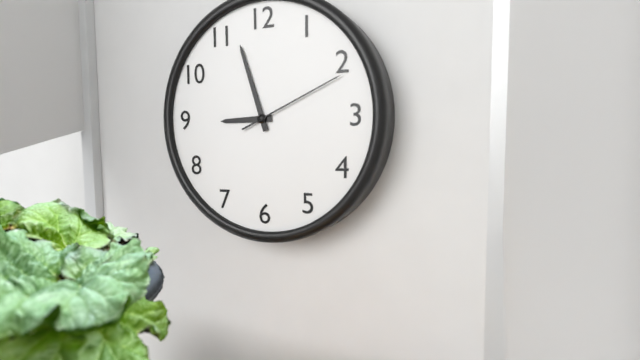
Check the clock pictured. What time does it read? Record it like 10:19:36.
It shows 8:57:11
